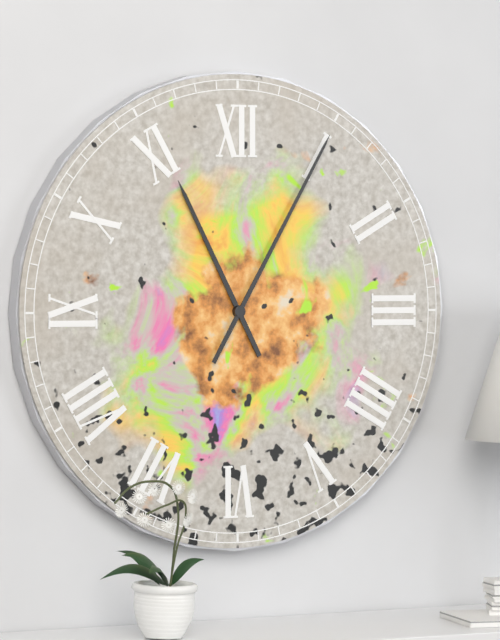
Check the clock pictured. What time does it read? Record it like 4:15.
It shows 11:05
